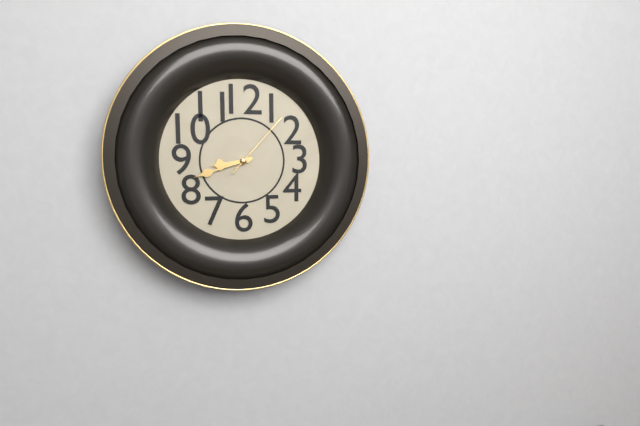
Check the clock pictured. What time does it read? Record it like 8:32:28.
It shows 8:42:07
